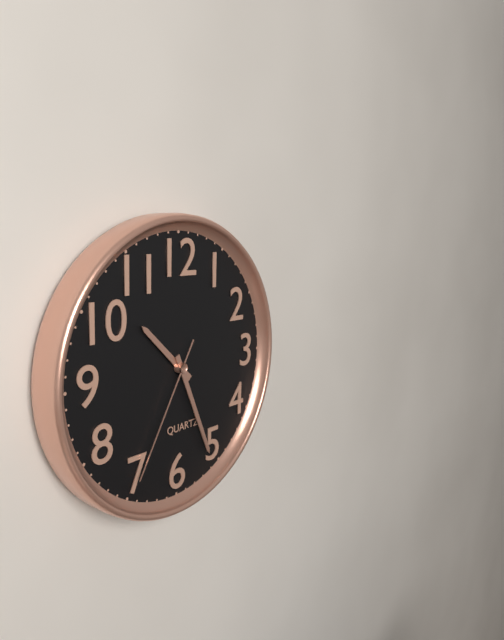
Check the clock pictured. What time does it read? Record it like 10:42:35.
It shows 10:26:35
